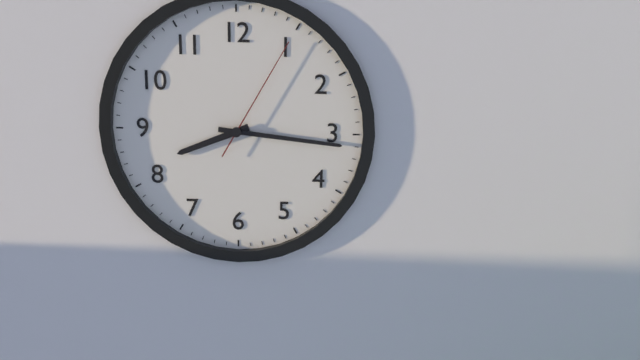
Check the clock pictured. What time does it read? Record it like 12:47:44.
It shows 8:16:05
